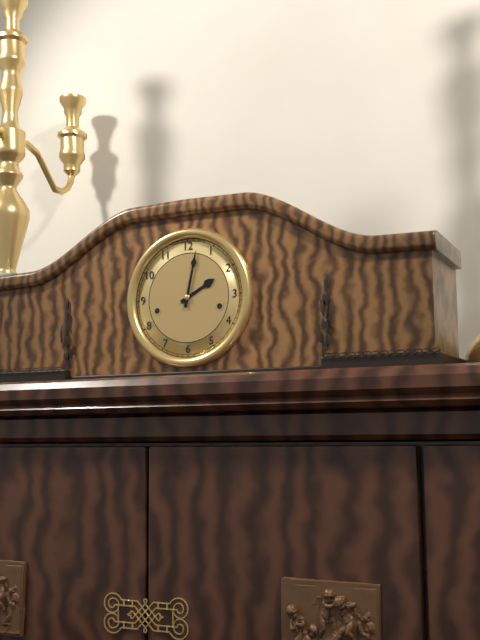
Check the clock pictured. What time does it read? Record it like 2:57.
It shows 2:02
